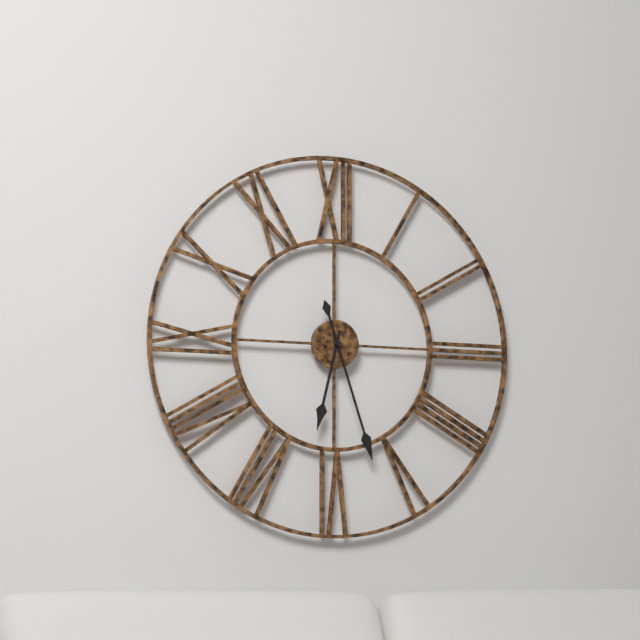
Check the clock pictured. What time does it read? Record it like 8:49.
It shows 6:27
